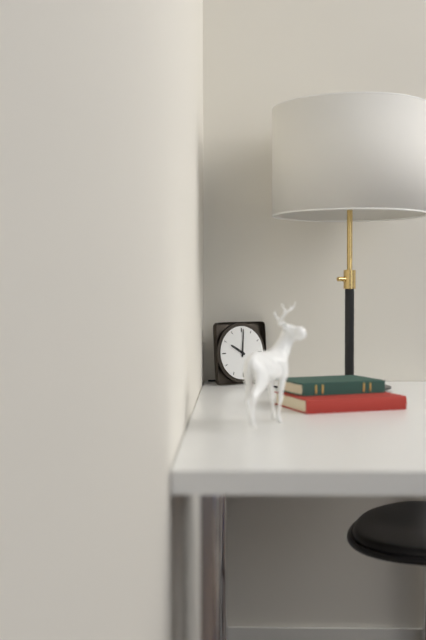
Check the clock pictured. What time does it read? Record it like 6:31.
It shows 10:01
